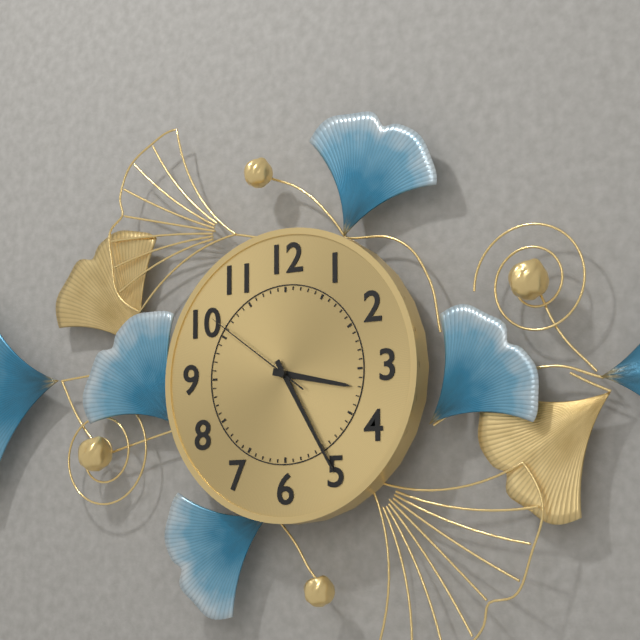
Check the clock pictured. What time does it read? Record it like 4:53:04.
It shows 3:25:51
